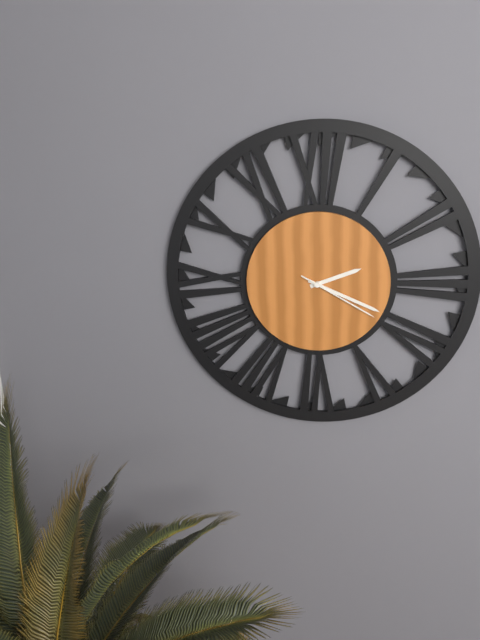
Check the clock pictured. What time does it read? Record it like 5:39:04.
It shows 2:19:20
